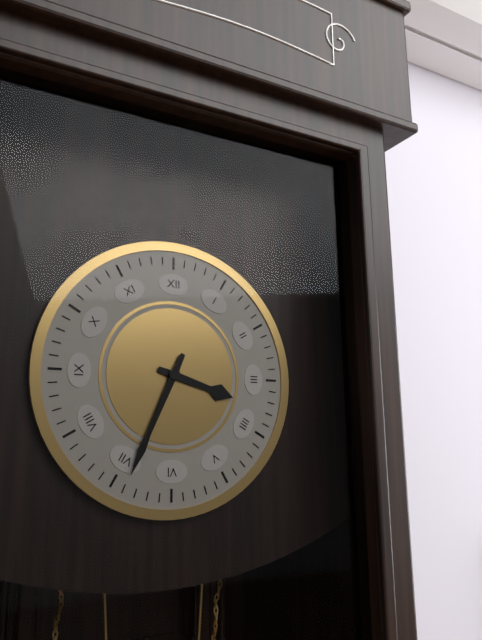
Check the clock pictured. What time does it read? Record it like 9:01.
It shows 3:34
